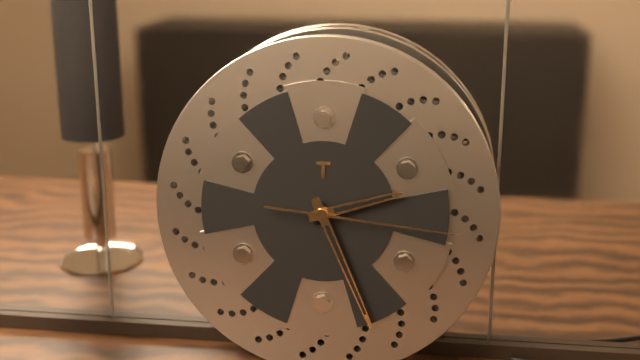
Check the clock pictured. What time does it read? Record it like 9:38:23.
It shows 2:26:16
